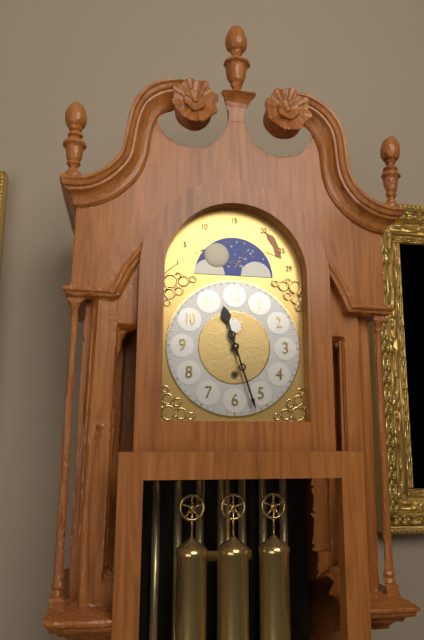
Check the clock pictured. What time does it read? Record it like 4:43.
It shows 11:27
